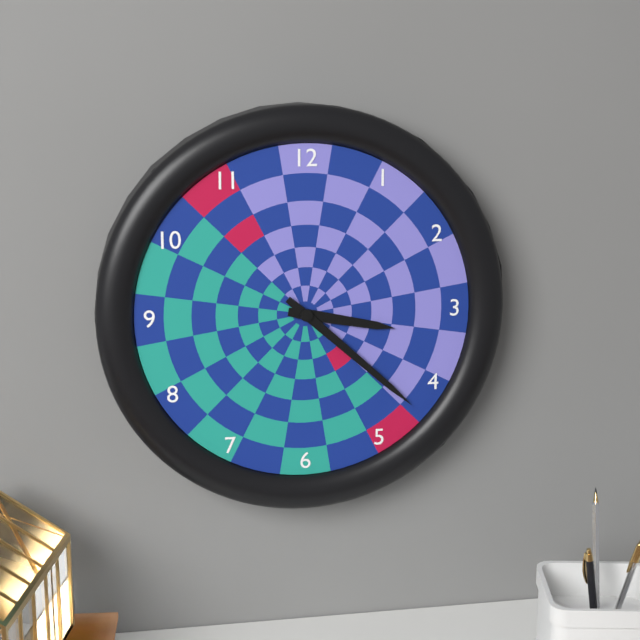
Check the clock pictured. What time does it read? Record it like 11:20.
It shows 3:22
